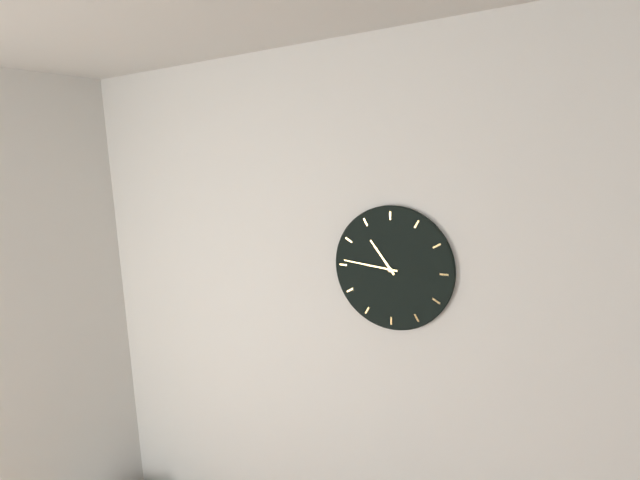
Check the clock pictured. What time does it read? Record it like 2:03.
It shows 10:46
